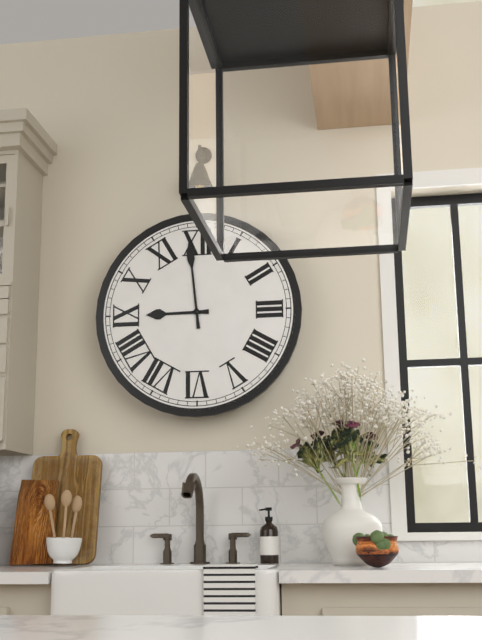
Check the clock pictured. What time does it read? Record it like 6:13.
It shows 8:59
